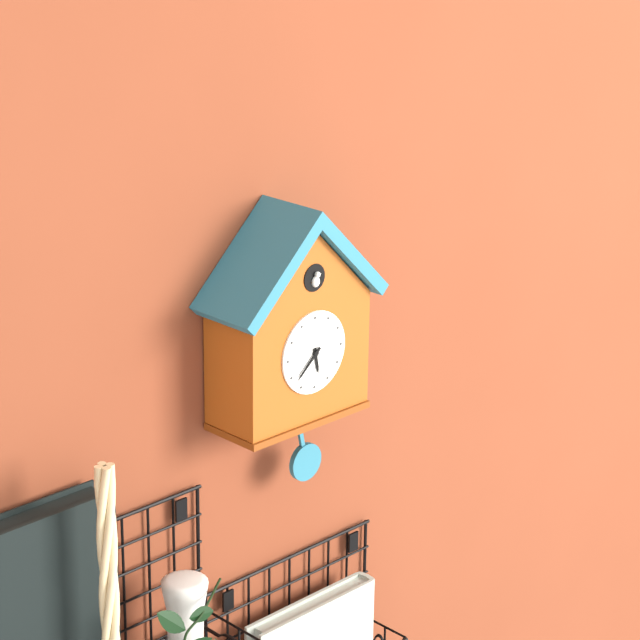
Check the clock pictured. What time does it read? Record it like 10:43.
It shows 5:38
